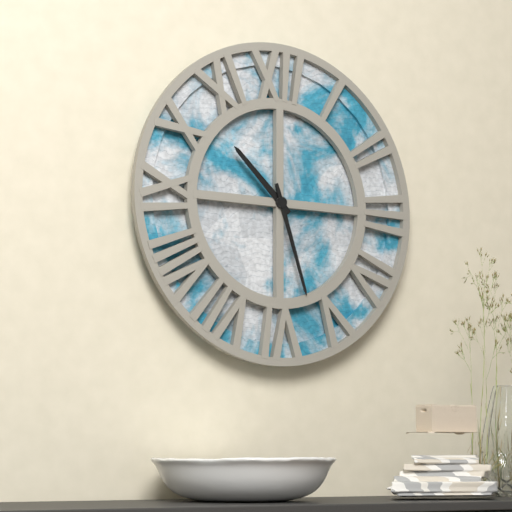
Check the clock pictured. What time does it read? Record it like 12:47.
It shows 10:27
